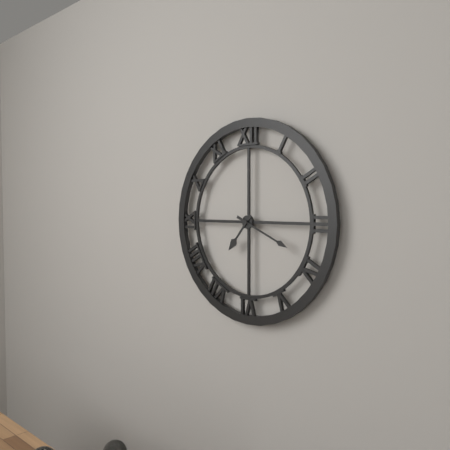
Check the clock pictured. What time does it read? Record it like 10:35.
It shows 7:19
